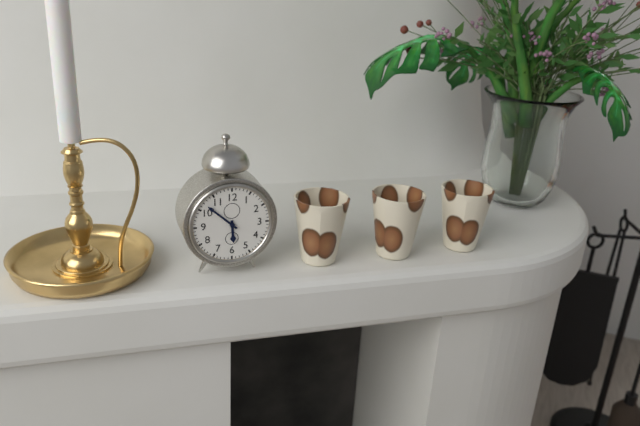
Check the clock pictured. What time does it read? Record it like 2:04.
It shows 5:52
